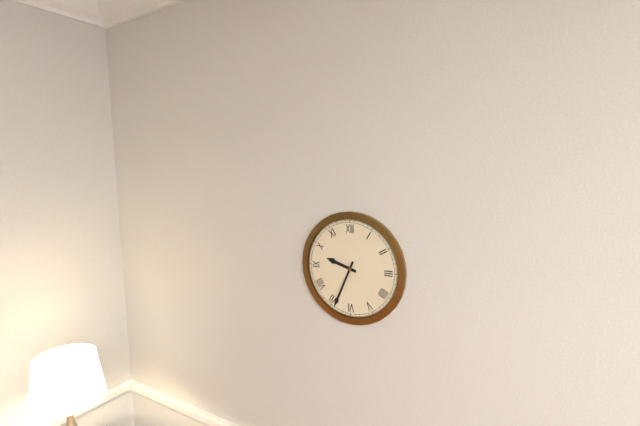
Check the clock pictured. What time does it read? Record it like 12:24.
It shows 9:34
